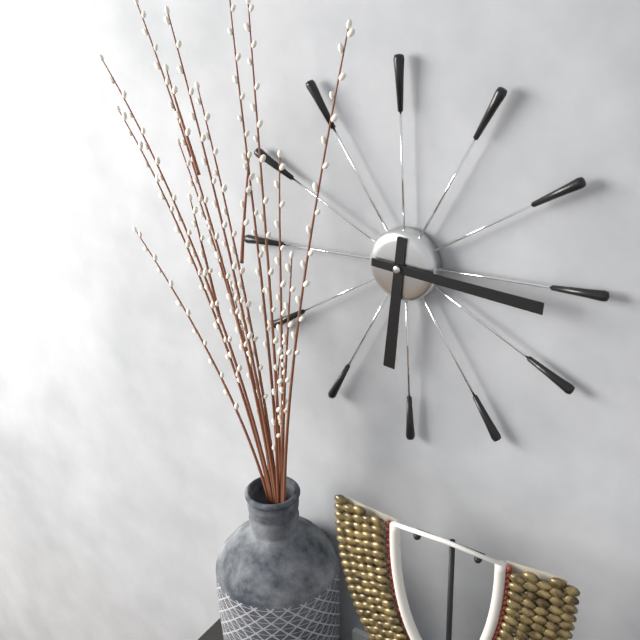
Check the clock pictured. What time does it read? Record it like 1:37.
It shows 6:16
